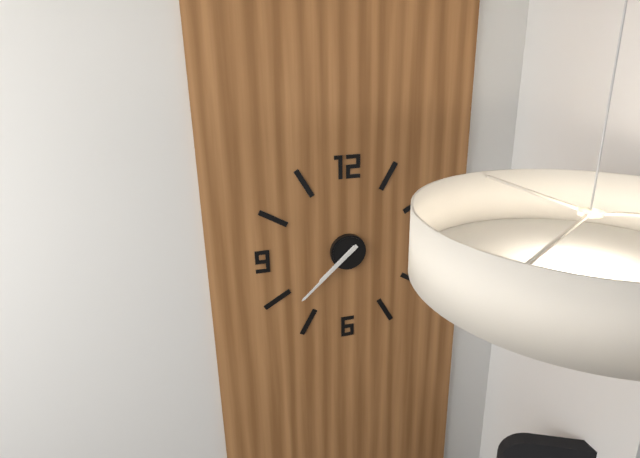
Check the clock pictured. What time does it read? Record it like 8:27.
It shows 7:38
